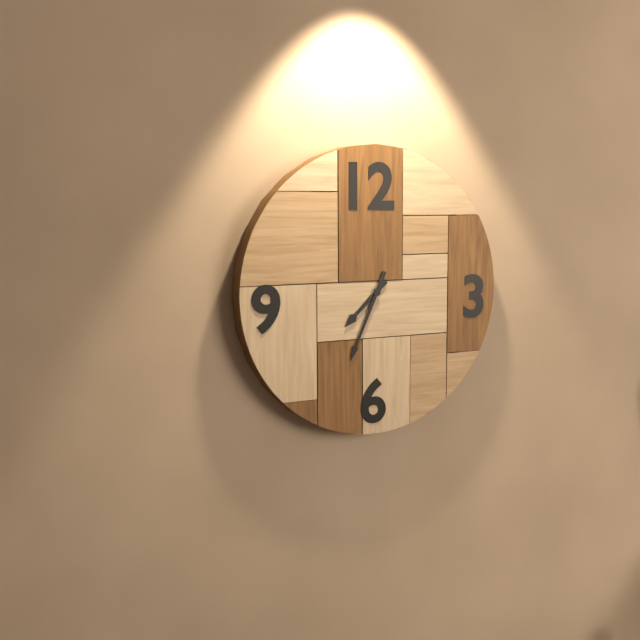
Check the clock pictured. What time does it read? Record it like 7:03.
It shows 7:34
